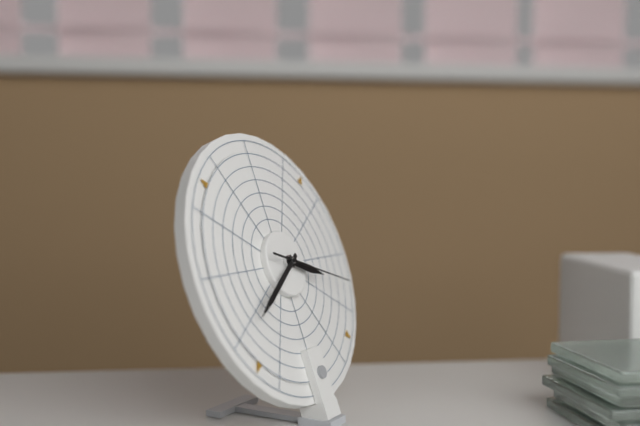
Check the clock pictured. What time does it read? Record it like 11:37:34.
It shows 3:40:18
